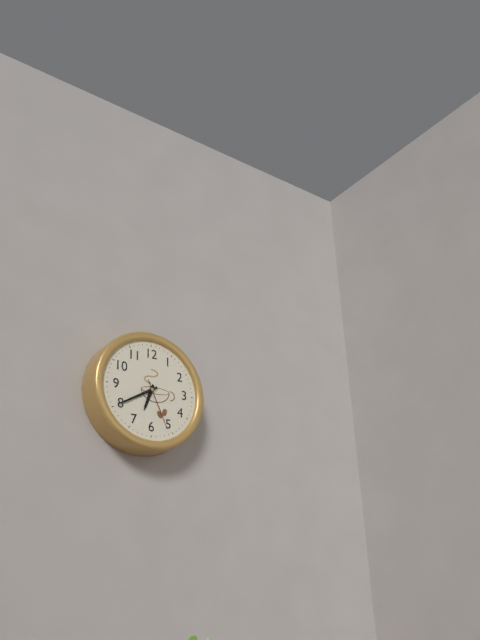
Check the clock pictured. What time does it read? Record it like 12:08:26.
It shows 6:40:26
